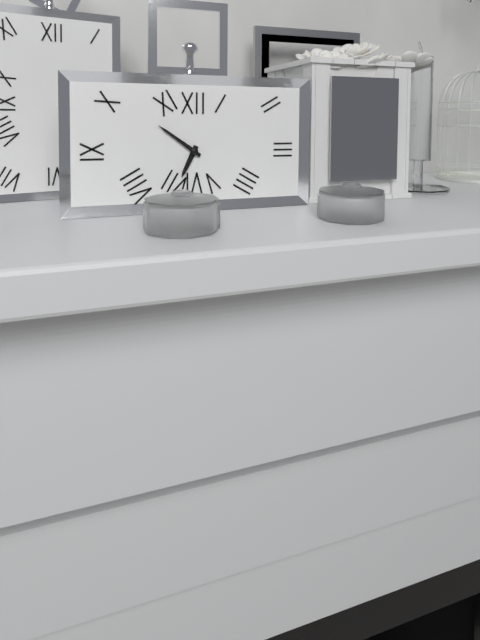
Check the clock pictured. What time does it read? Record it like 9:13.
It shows 6:51
